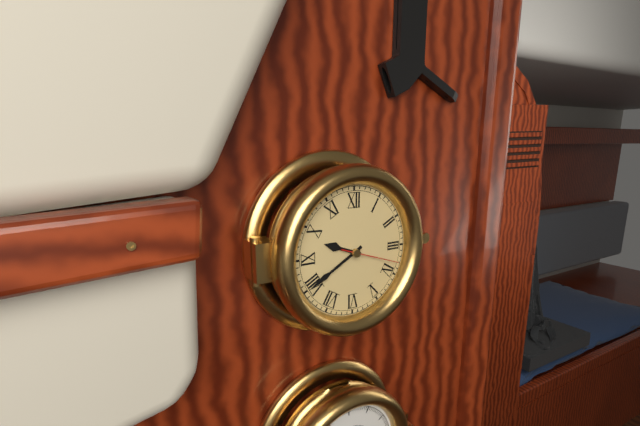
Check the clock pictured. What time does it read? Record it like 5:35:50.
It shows 9:40:18
